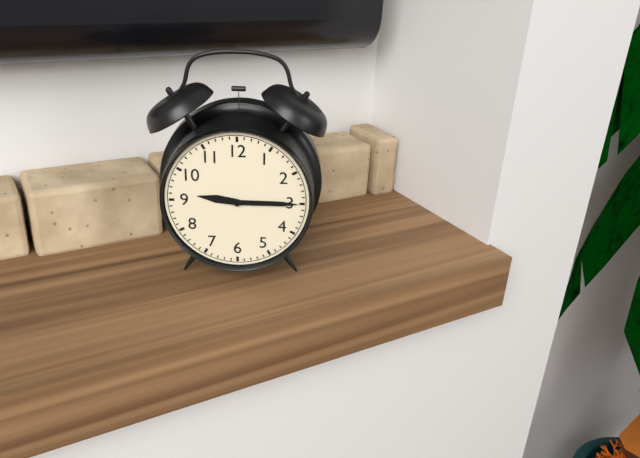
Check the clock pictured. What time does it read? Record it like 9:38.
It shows 9:15
